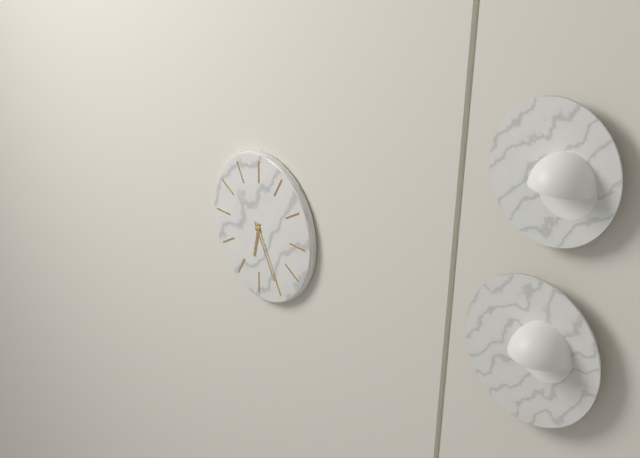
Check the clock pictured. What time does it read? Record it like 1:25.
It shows 6:25
